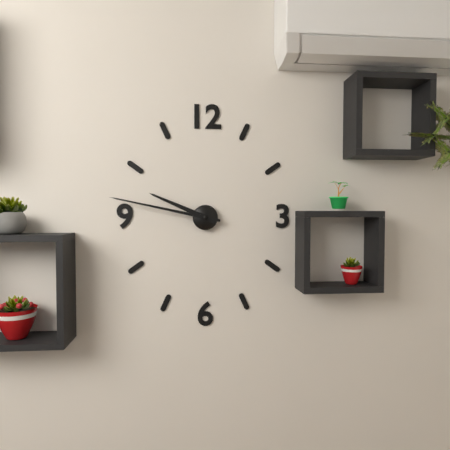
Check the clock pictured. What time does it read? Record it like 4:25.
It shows 9:47
